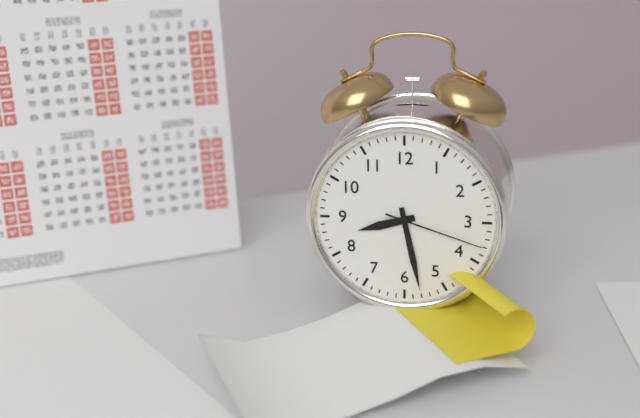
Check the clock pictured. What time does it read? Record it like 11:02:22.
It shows 8:28:18
